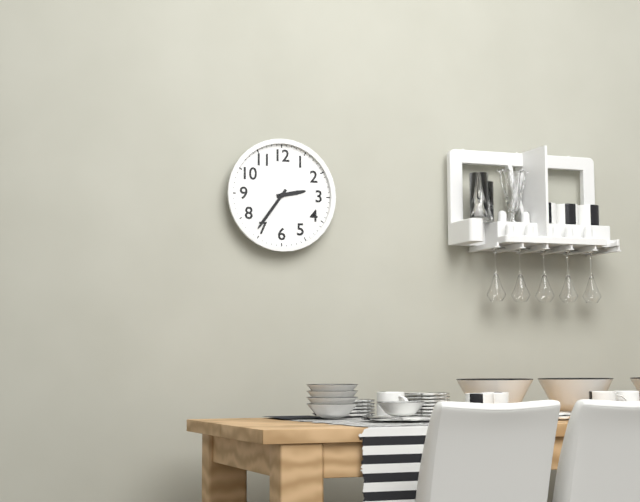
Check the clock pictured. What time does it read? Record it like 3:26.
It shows 2:36
